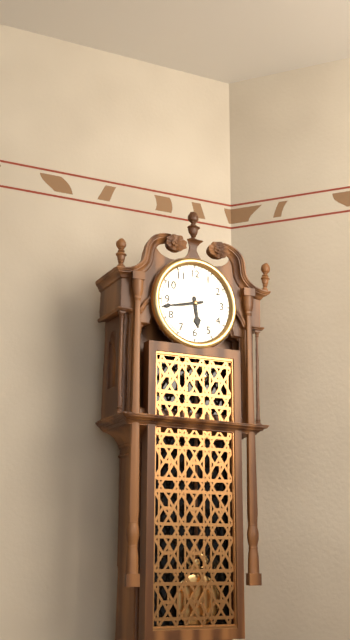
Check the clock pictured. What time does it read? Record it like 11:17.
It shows 5:43
